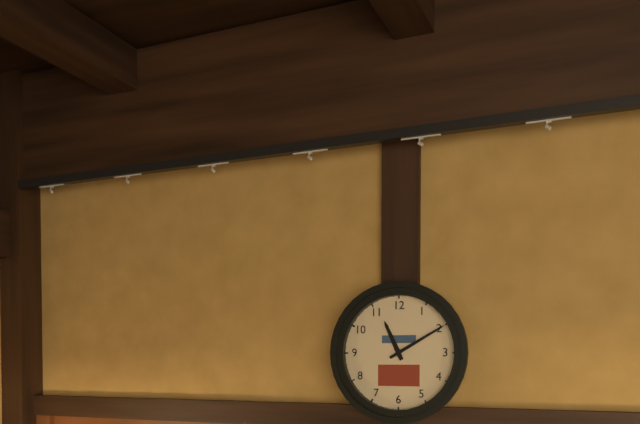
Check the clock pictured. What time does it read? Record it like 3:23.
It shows 11:10
